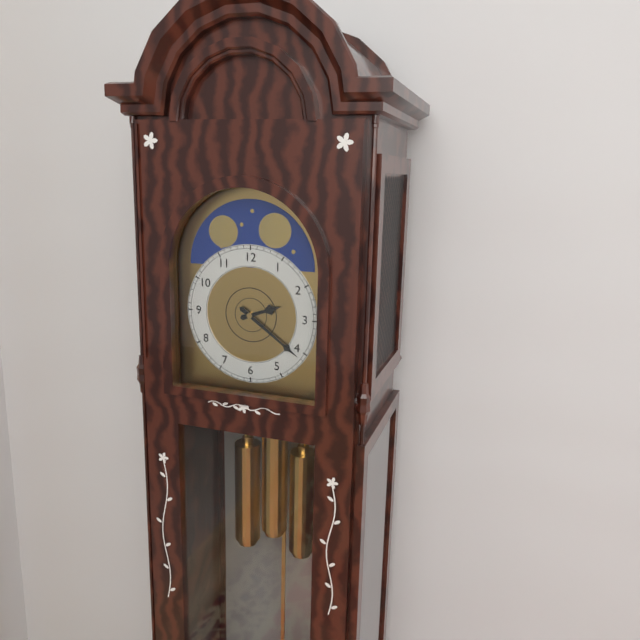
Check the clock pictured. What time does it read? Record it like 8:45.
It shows 2:21
